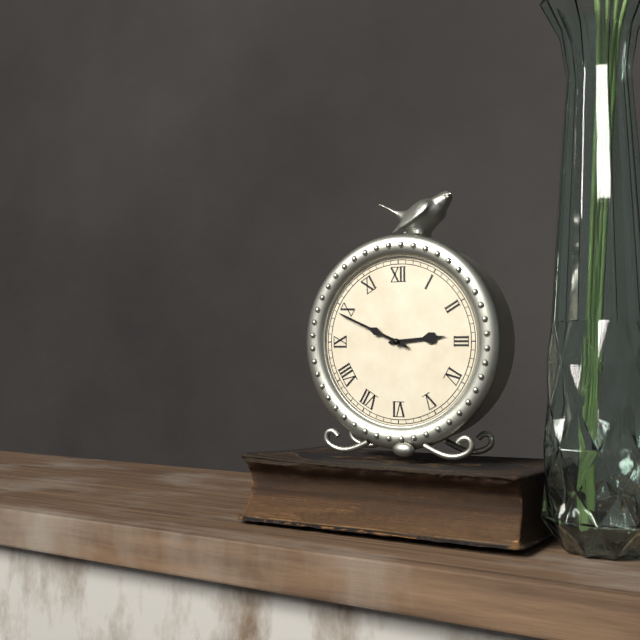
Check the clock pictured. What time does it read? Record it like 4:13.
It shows 2:49
